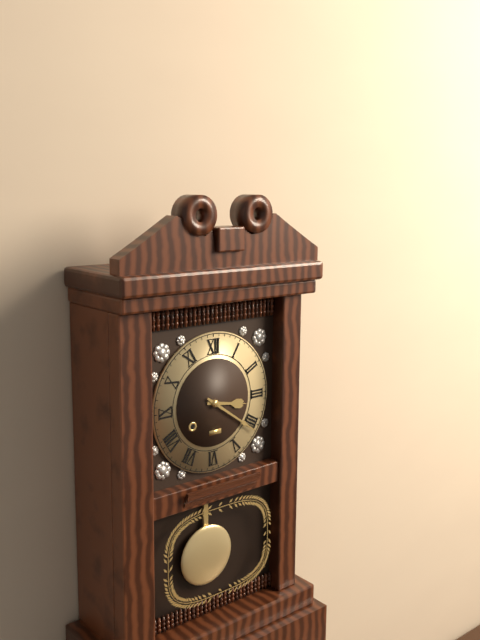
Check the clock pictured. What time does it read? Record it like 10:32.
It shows 3:21
